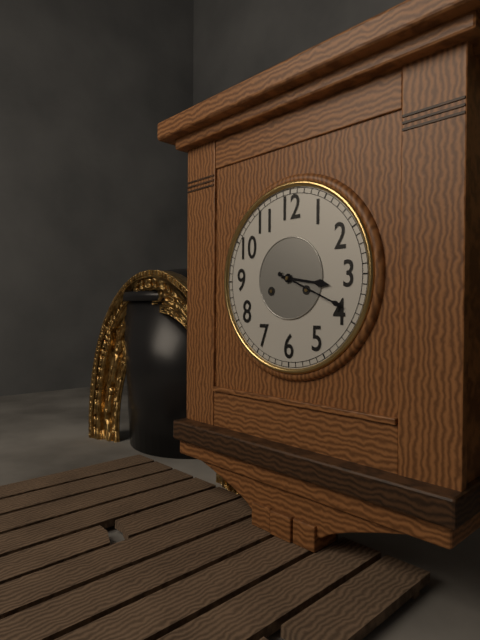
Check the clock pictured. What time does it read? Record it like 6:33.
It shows 3:19
